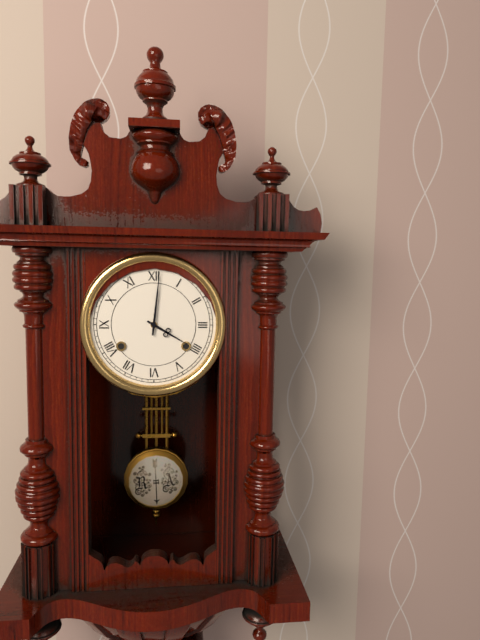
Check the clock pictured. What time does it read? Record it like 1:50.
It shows 4:01
